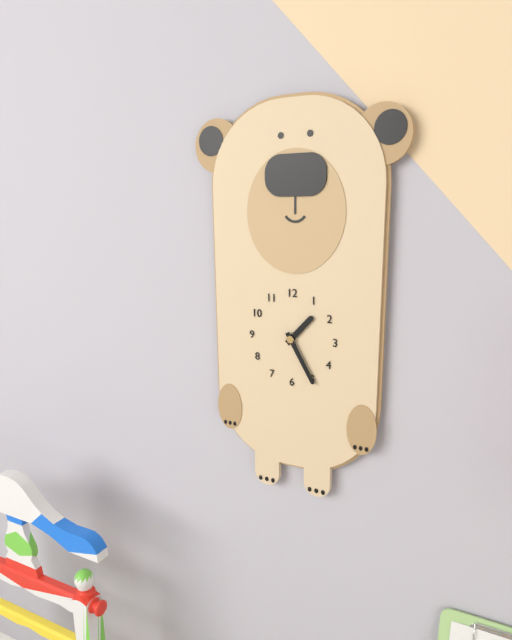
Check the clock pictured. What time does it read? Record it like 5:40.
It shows 1:25
